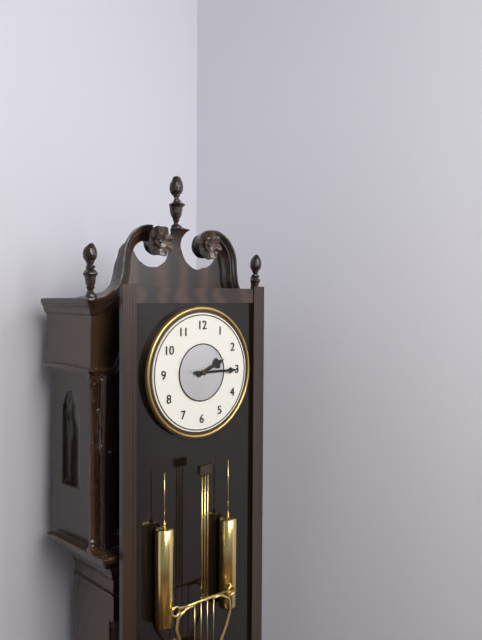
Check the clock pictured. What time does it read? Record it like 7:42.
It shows 2:15
